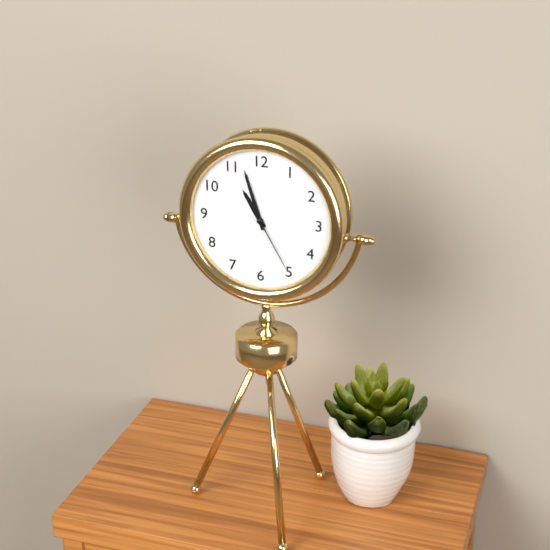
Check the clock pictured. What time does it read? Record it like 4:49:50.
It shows 10:57:25
